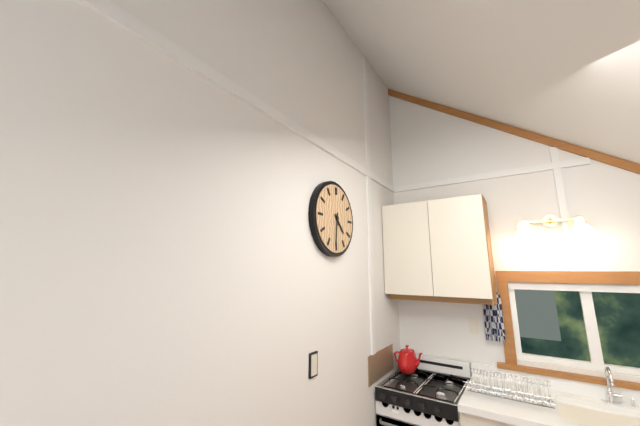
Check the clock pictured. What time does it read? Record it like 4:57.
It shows 4:31
